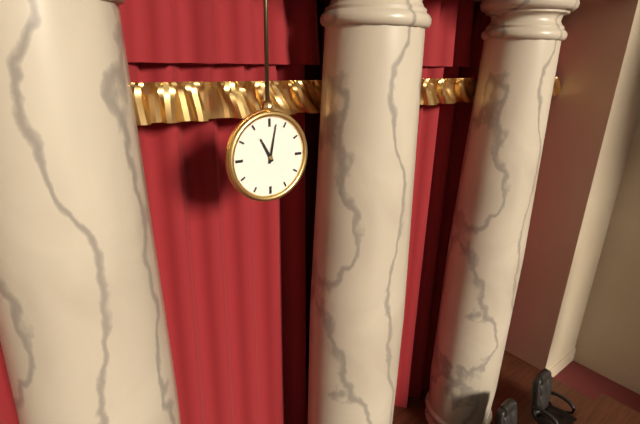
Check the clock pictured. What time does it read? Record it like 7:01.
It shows 11:02
